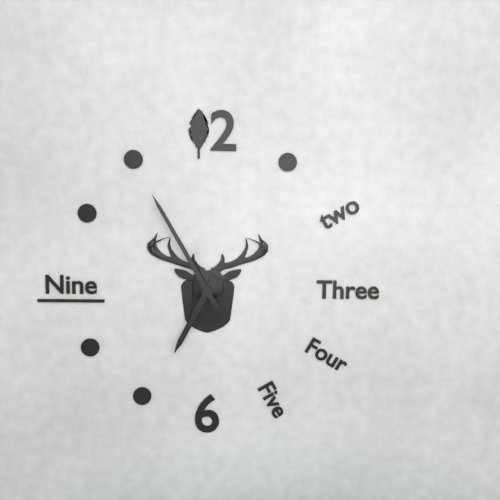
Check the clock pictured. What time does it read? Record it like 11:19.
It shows 6:55
